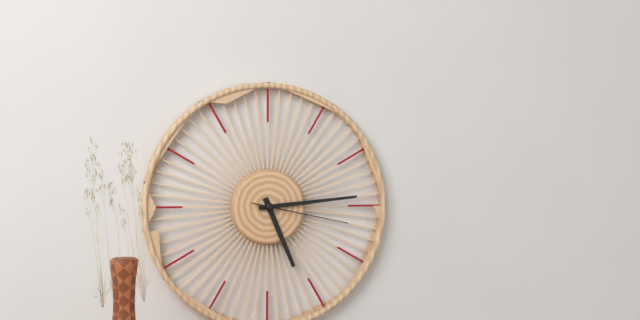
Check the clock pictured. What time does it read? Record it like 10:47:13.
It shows 5:14:17
